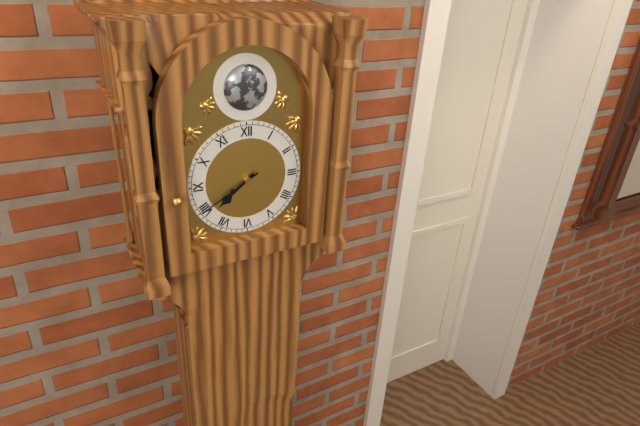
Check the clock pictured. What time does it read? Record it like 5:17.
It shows 7:40
